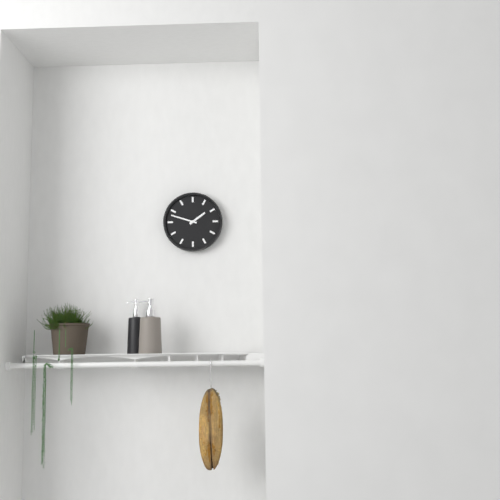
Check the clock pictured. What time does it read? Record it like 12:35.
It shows 1:48
